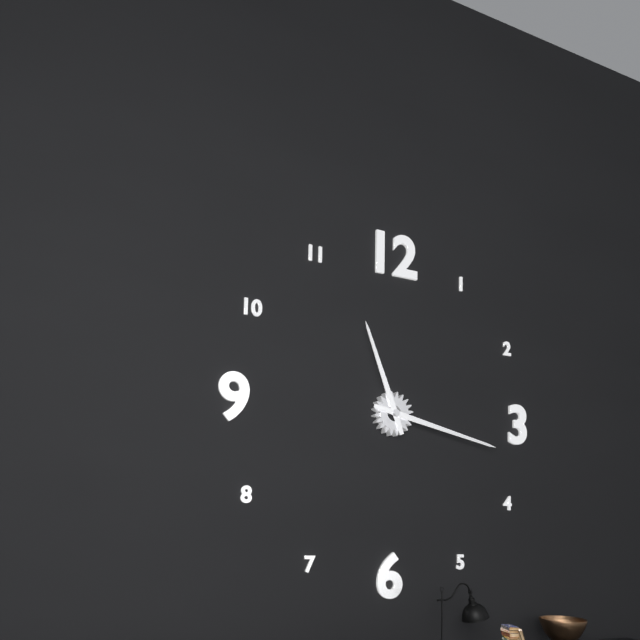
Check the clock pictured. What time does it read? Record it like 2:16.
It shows 11:17
